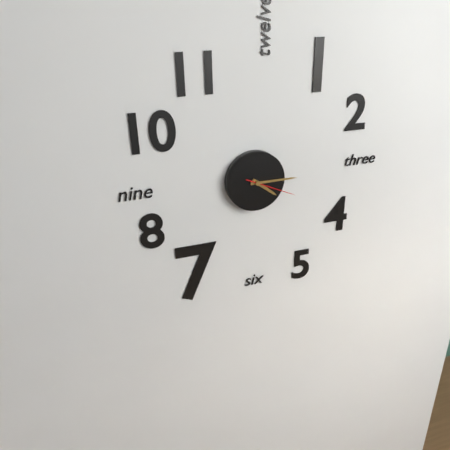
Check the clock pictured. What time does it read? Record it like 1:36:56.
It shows 4:15:19
